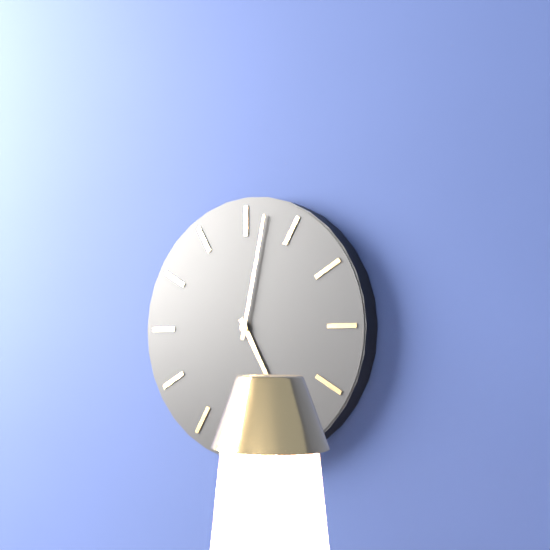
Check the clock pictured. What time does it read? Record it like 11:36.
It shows 5:02
